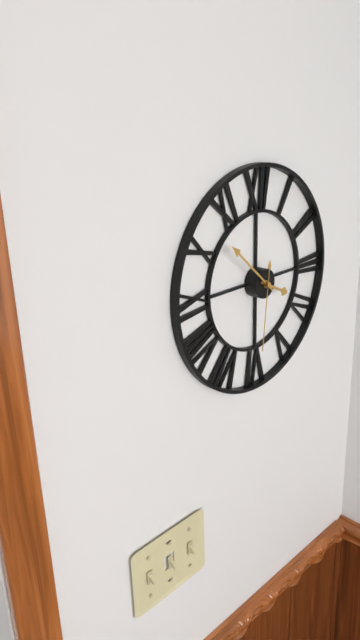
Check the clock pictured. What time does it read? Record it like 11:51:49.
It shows 3:52:31
